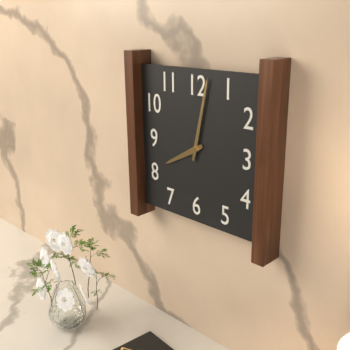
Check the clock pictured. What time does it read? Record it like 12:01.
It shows 8:02
